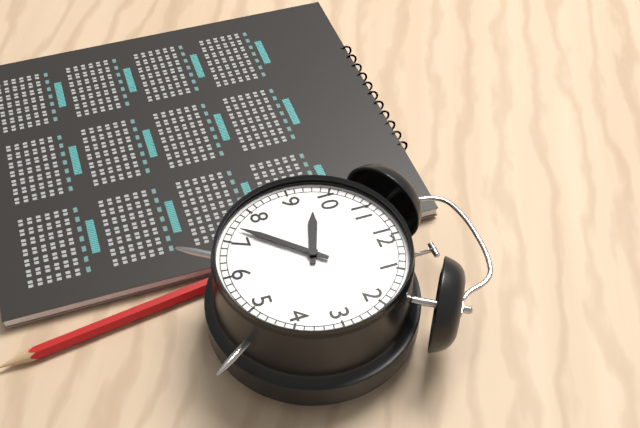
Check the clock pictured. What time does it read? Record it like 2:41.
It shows 9:37
